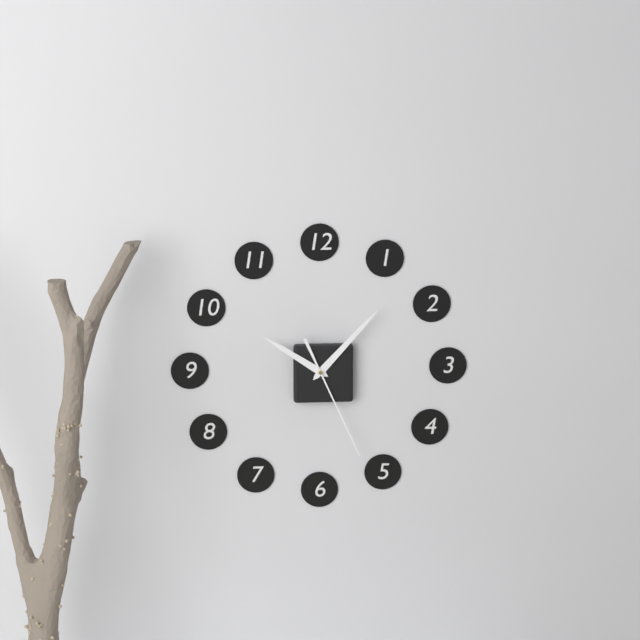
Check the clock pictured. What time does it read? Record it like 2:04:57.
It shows 10:07:26
